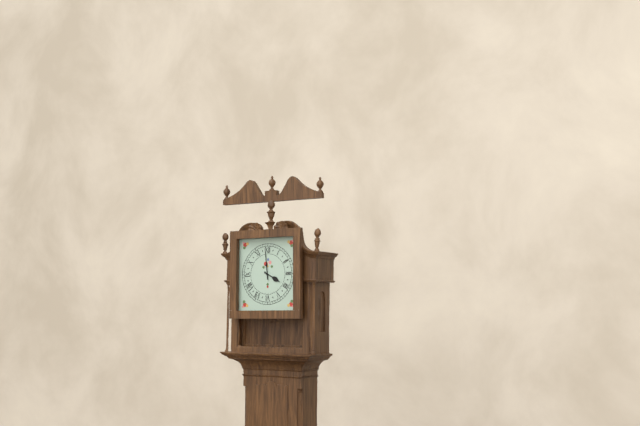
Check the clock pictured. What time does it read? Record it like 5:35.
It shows 3:59
